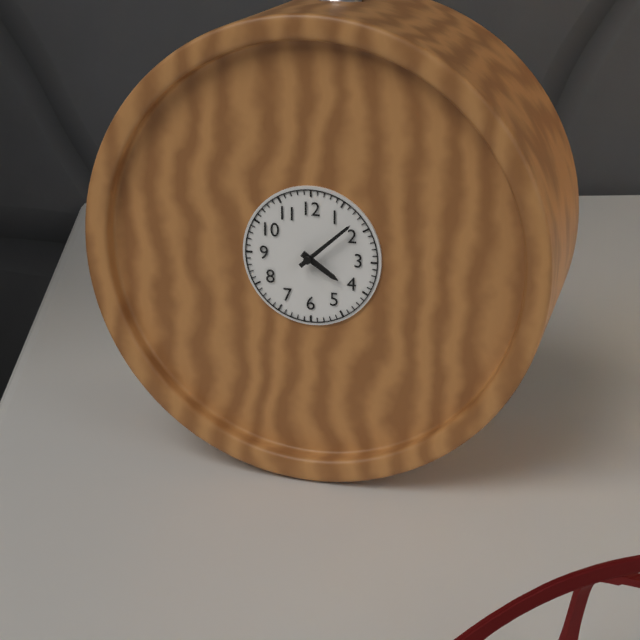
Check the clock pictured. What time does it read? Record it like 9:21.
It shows 4:08
